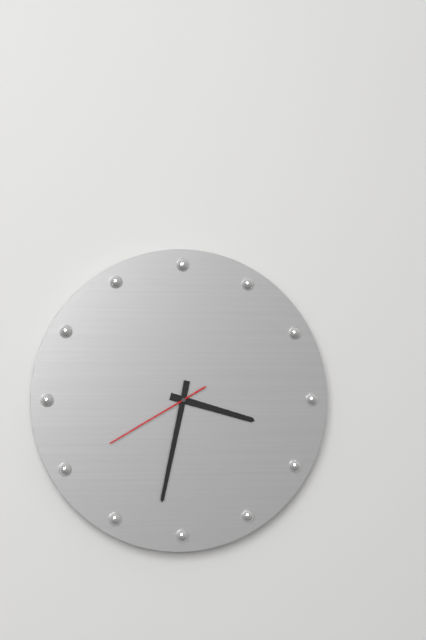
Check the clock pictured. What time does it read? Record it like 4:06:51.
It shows 3:32:40
